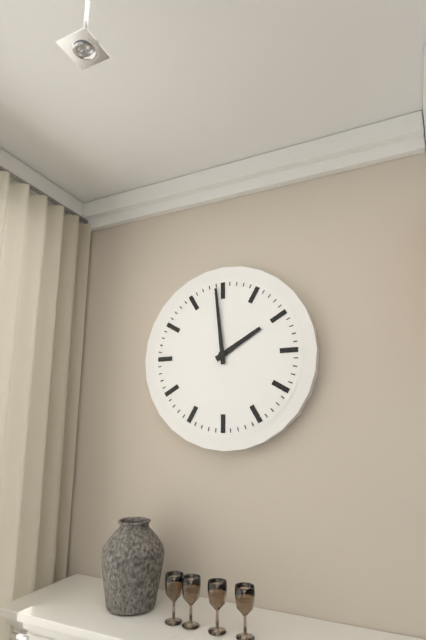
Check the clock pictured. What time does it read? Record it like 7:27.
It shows 1:59
